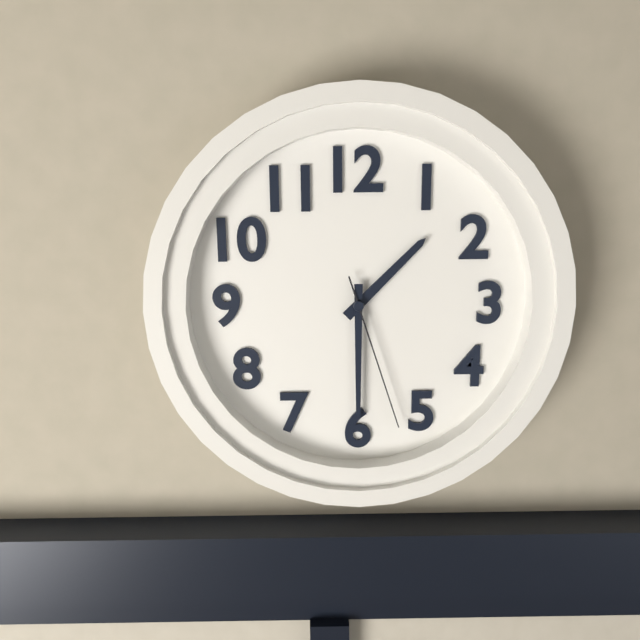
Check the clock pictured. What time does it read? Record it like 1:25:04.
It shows 1:30:27
